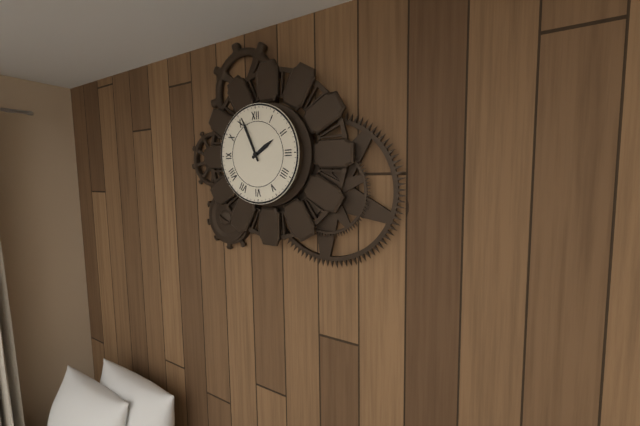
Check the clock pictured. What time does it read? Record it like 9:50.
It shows 1:56
